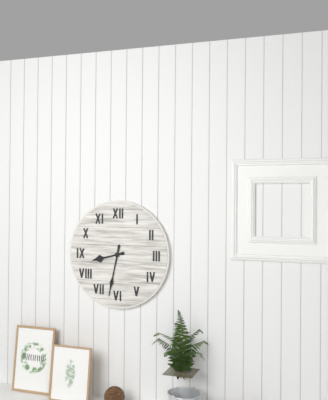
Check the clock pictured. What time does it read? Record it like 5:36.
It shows 8:32
